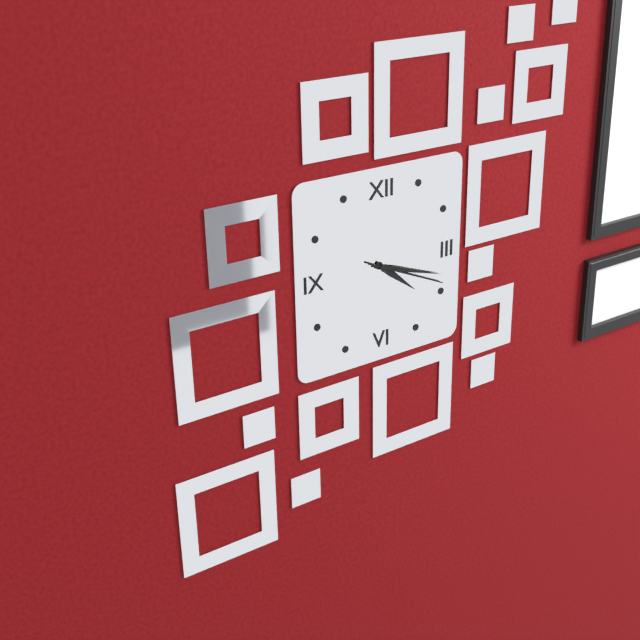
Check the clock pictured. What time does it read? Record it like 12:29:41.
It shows 4:18:19
